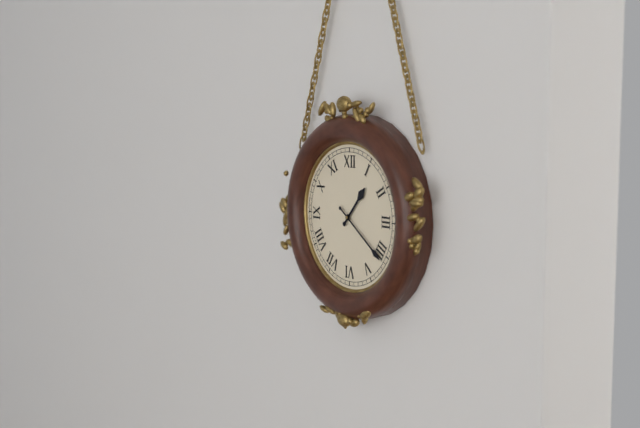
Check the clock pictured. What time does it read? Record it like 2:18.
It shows 1:21
